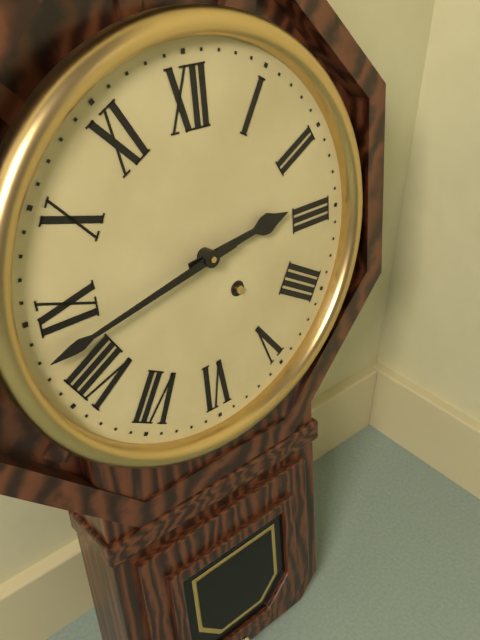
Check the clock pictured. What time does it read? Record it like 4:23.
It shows 2:43
